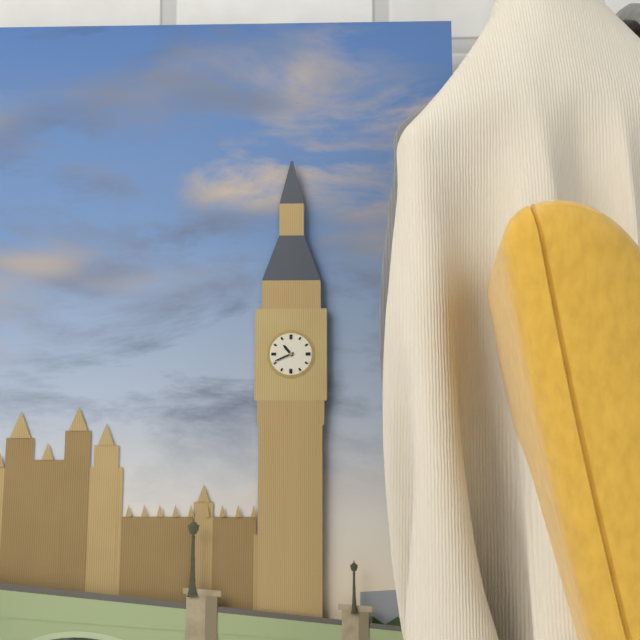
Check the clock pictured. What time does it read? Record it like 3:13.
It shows 10:41
